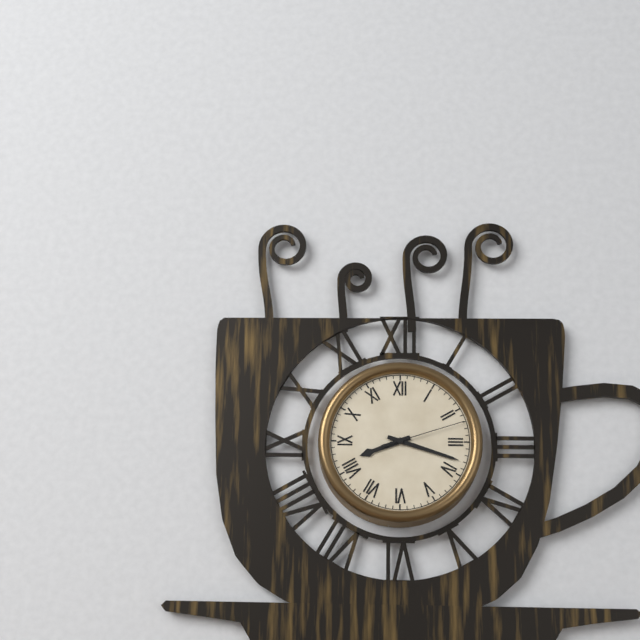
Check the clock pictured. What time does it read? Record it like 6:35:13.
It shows 8:18:12
